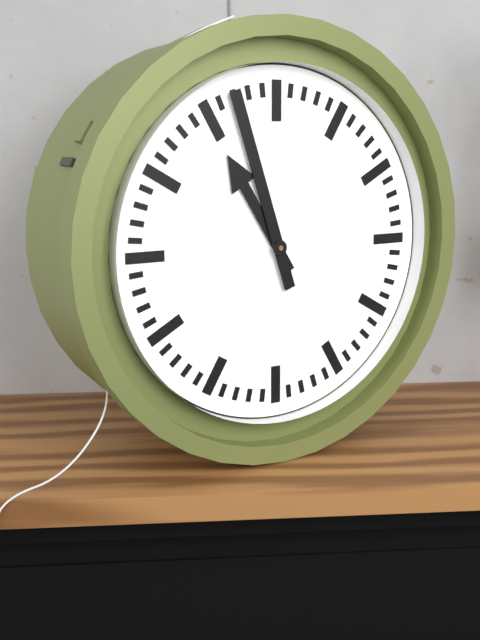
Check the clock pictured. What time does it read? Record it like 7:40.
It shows 10:57
